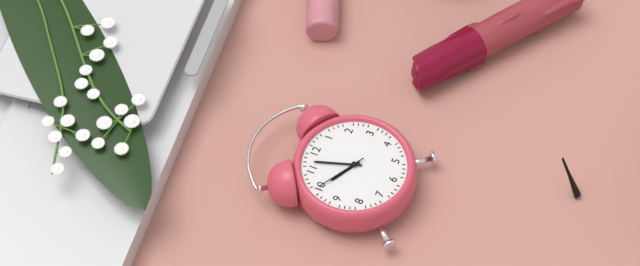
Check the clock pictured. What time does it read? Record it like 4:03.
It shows 9:57
